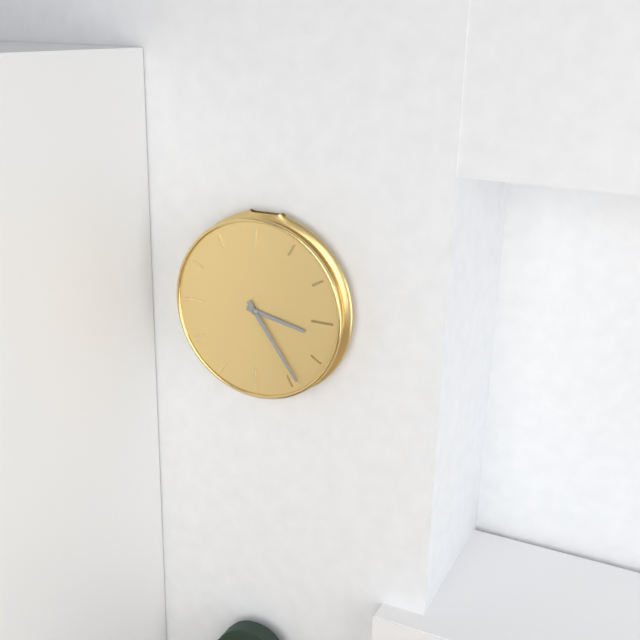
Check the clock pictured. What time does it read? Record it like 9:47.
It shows 3:24
